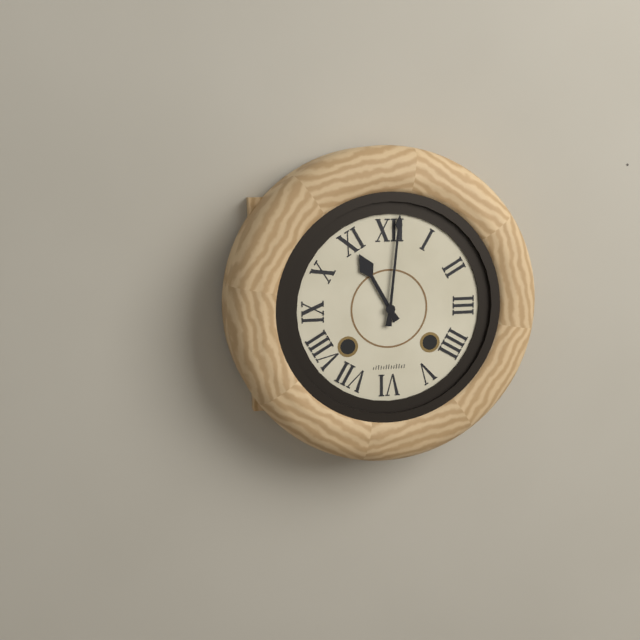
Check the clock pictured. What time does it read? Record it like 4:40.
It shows 11:01
